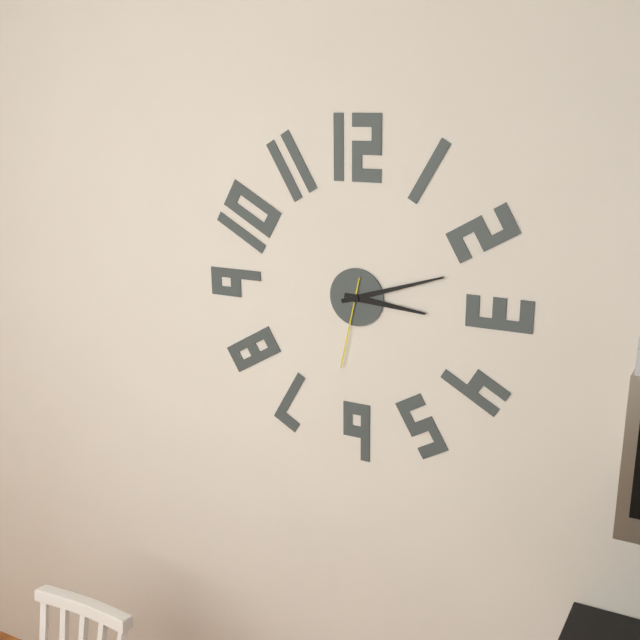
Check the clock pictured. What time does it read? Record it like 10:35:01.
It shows 3:12:32
